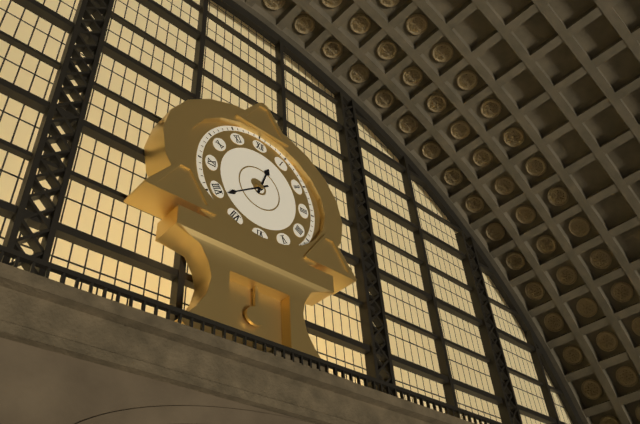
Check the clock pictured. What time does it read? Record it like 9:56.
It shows 12:39
